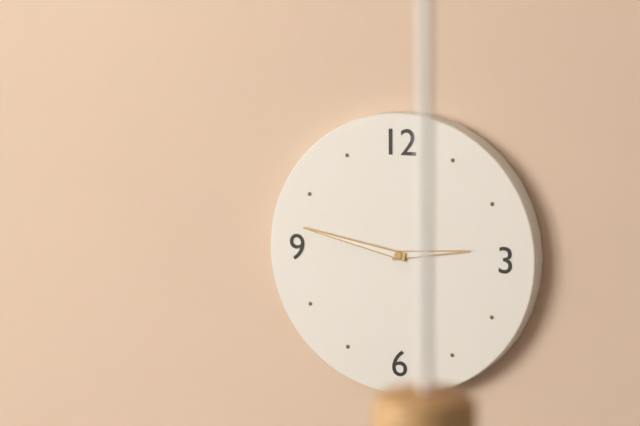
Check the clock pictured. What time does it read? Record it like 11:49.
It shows 2:47
